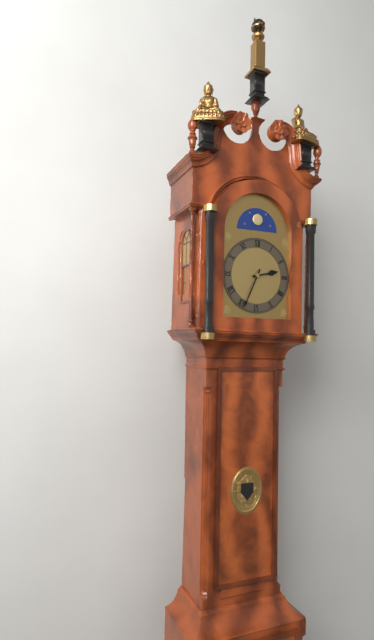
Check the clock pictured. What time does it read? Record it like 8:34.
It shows 2:34
